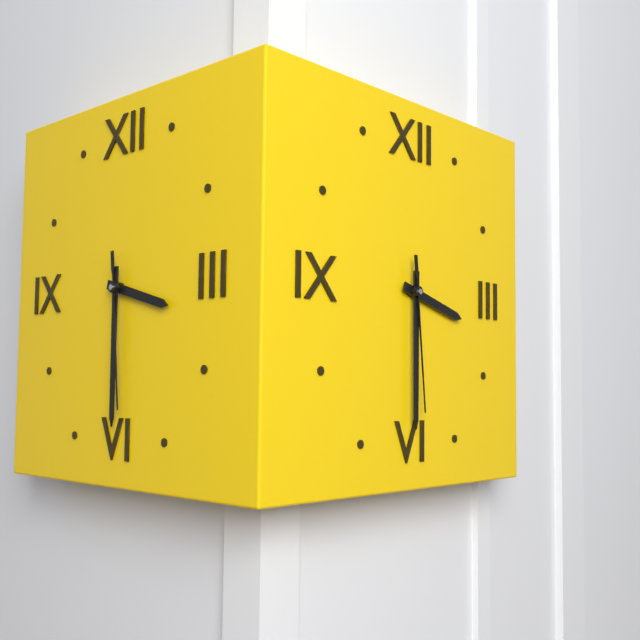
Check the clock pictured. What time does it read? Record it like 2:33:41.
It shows 3:30:29
